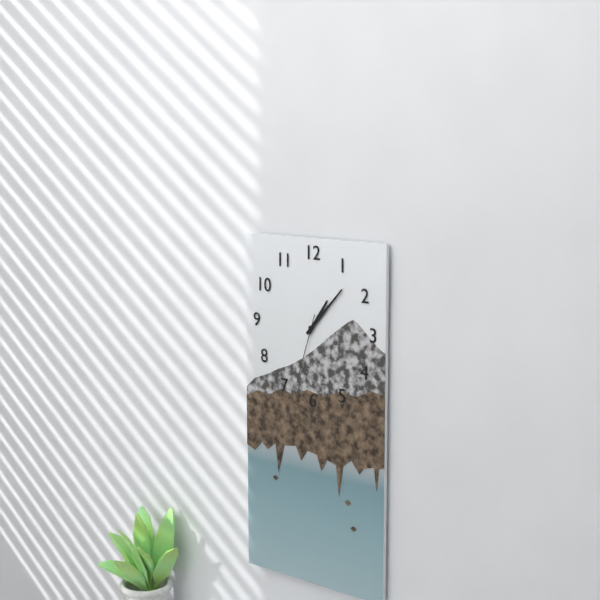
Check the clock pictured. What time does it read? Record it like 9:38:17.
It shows 1:07:33
